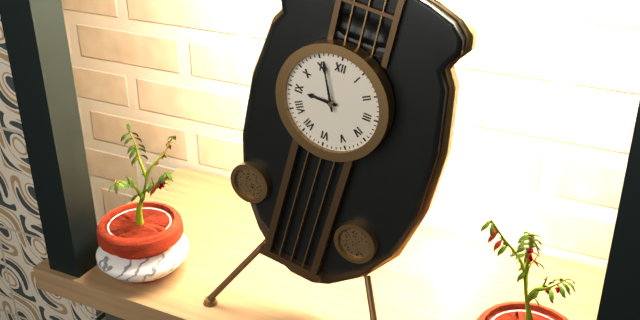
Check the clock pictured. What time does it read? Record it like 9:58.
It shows 8:56
